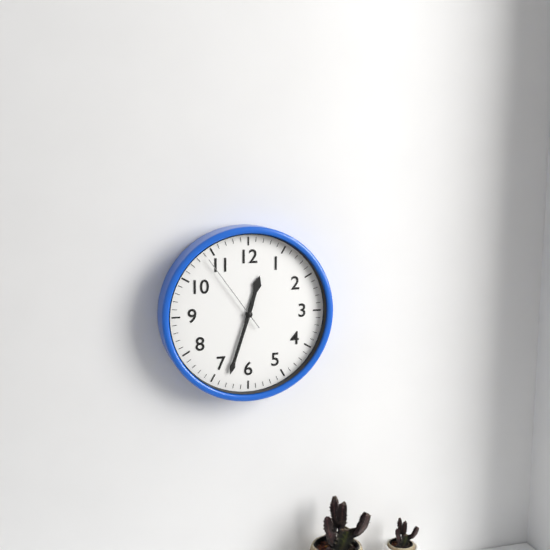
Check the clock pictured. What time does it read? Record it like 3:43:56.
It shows 12:33:54
